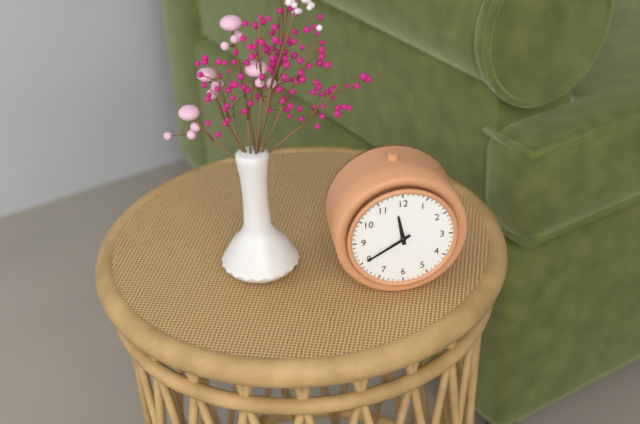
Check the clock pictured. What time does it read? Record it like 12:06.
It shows 11:40
